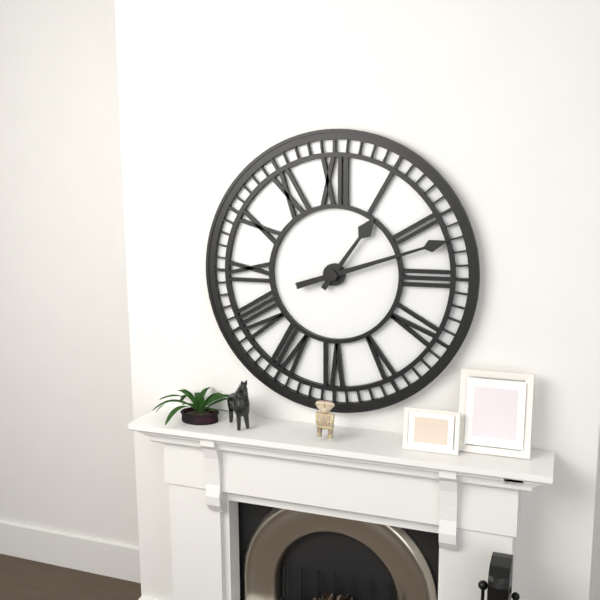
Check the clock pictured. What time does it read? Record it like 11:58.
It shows 1:12
